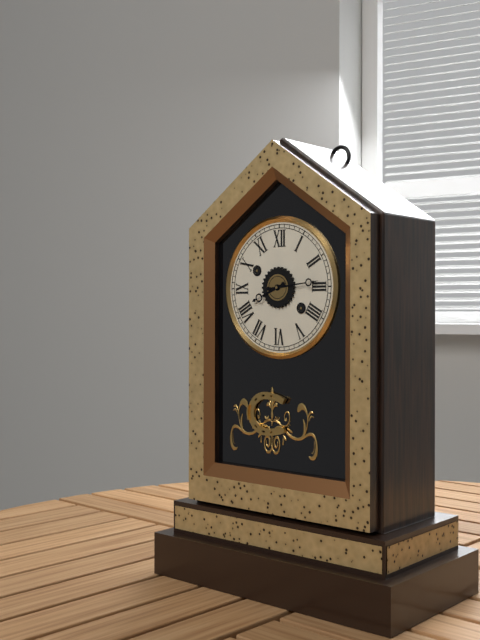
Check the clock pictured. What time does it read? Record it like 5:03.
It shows 8:14
